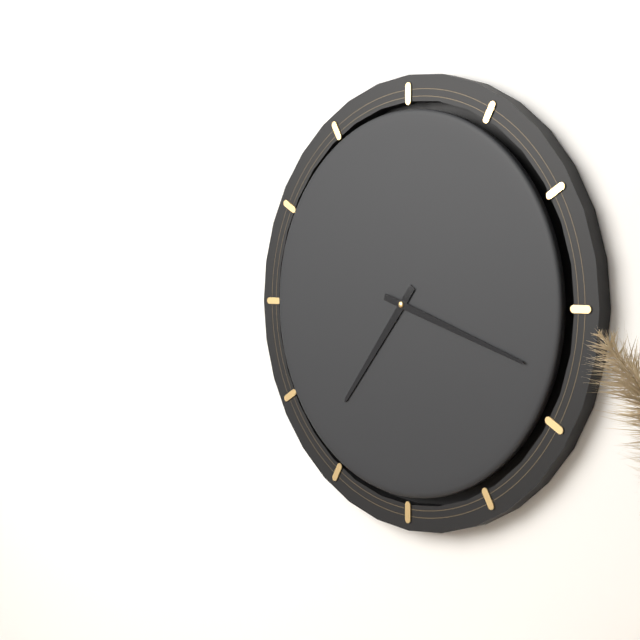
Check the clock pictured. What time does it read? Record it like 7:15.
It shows 7:18
